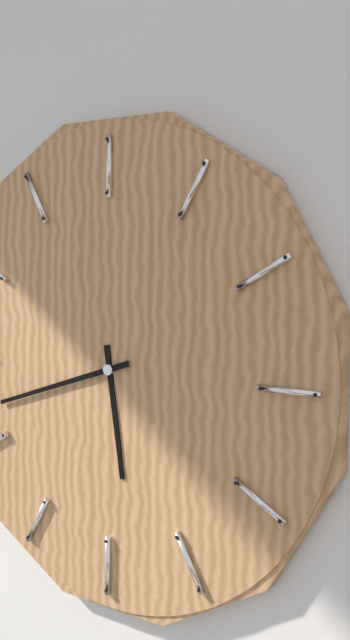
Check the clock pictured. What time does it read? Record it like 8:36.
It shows 5:42
